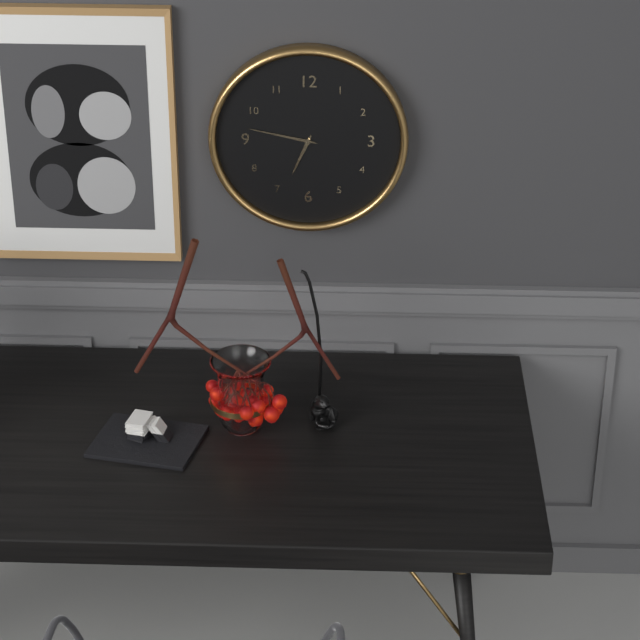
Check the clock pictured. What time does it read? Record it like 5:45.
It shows 6:47
